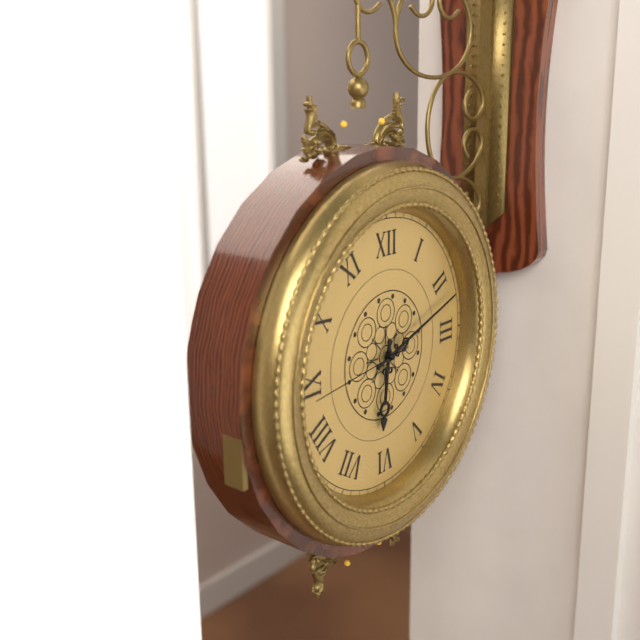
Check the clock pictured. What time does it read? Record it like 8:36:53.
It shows 6:12:44
